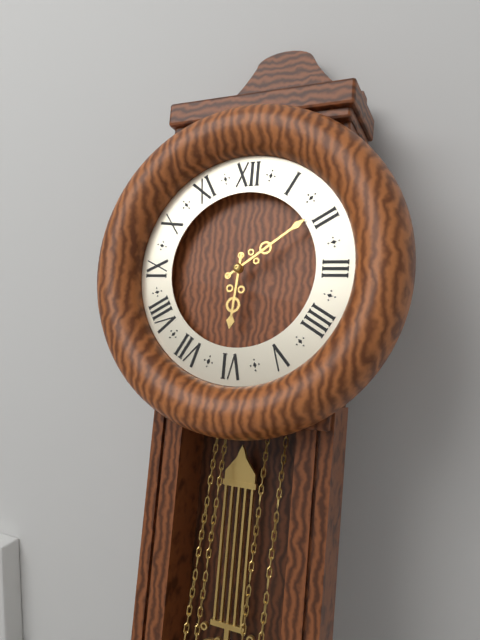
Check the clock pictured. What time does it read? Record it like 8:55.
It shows 6:09
